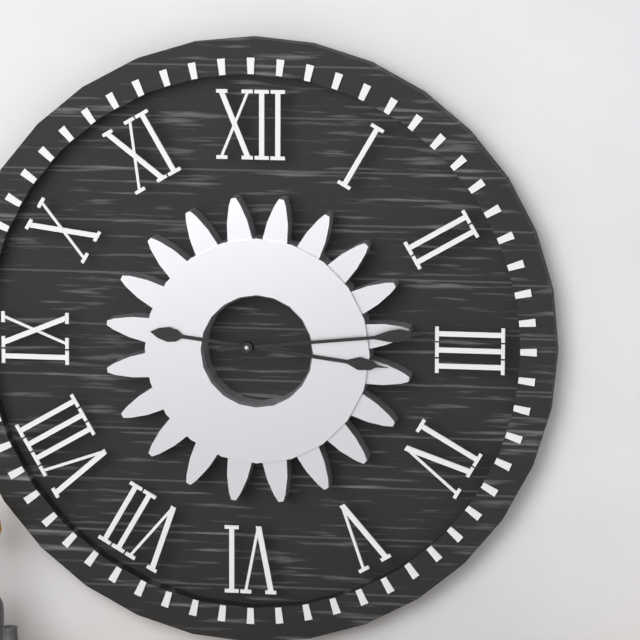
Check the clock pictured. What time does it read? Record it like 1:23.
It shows 3:14
